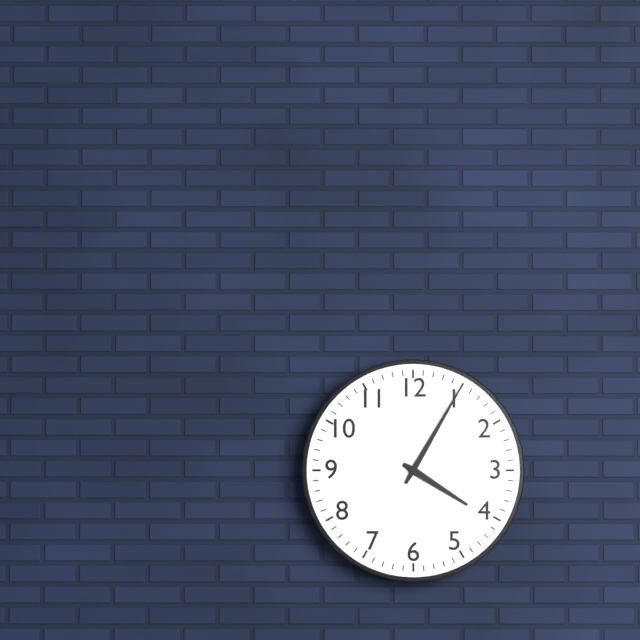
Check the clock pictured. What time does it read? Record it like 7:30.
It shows 4:05
